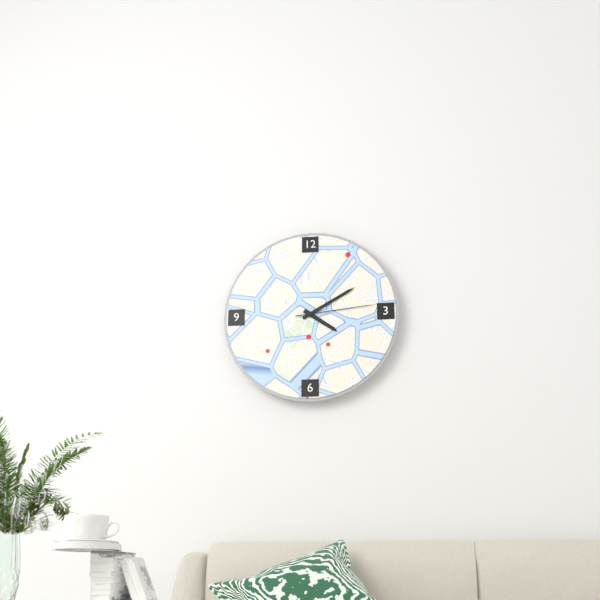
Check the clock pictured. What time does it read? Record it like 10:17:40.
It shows 4:10:14
